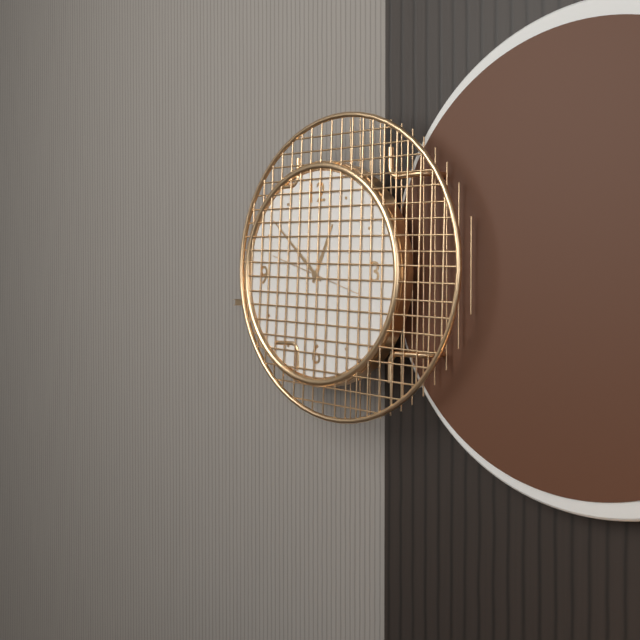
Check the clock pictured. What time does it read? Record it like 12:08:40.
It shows 12:52:48
